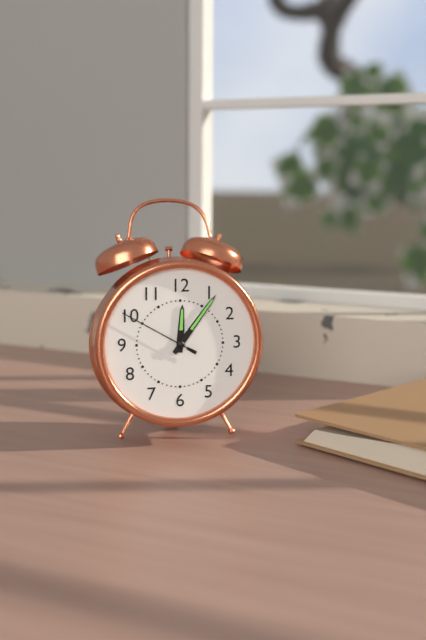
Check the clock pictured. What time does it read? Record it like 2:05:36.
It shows 12:06:50
